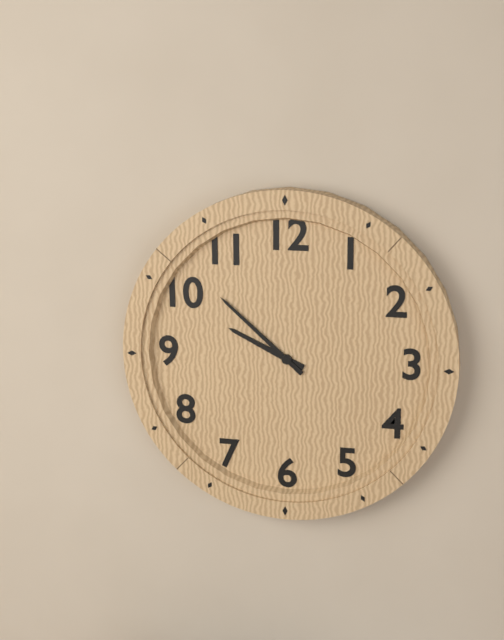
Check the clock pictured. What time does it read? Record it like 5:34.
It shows 9:52
